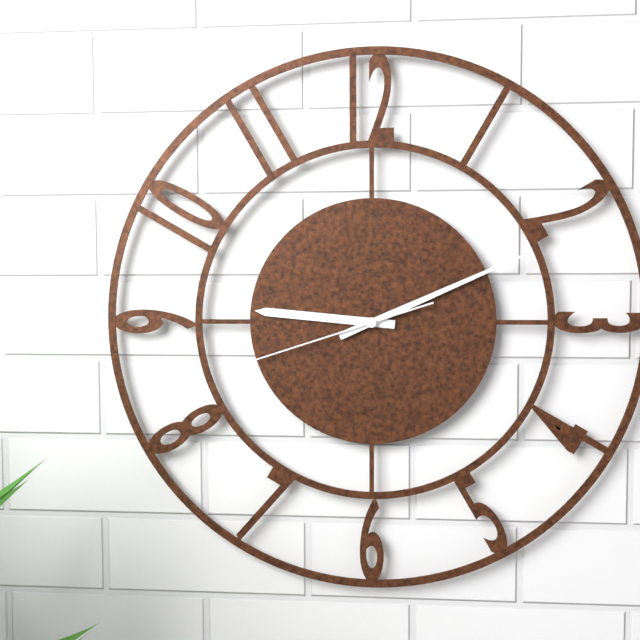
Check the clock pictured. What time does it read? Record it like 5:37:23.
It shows 9:11:42
